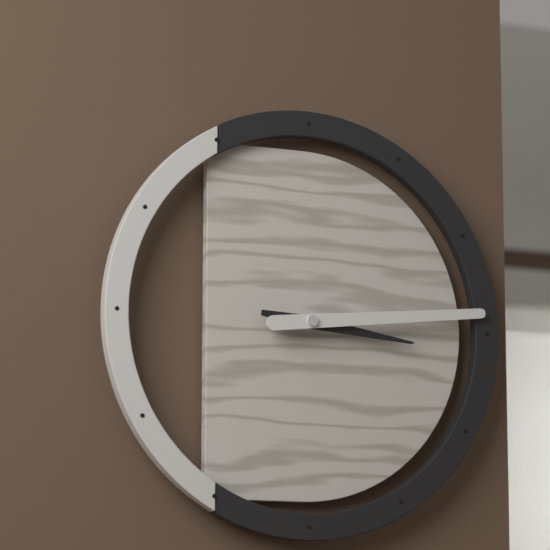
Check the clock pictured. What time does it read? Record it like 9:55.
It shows 3:14
